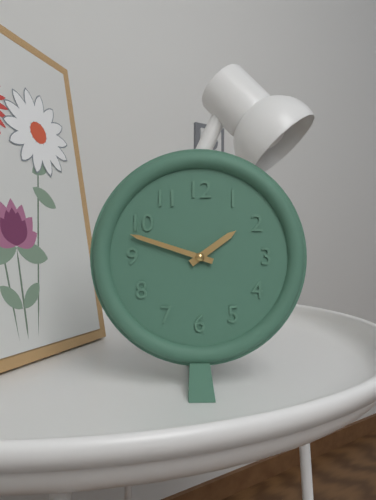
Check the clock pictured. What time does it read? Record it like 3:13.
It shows 1:48
